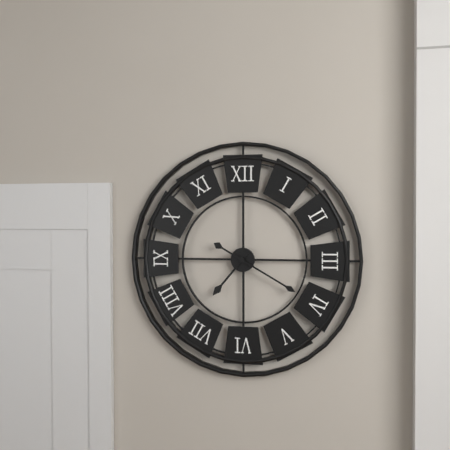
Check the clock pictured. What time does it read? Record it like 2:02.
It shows 7:20
